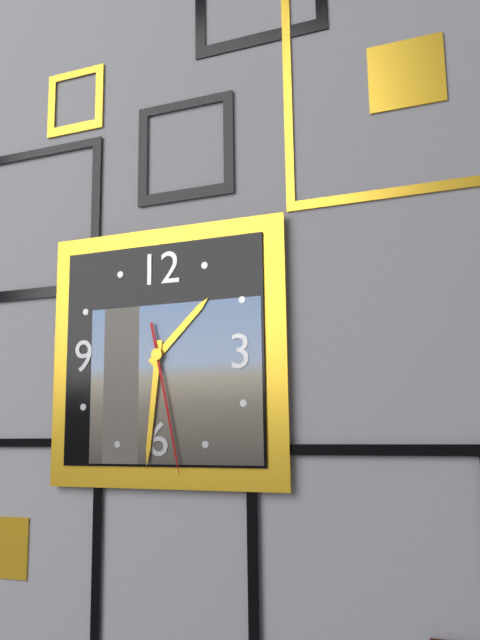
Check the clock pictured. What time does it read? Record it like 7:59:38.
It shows 1:31:28
